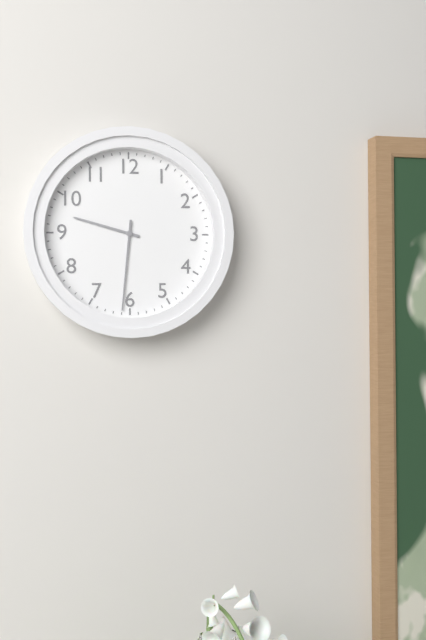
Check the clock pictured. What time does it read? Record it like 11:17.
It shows 9:31
